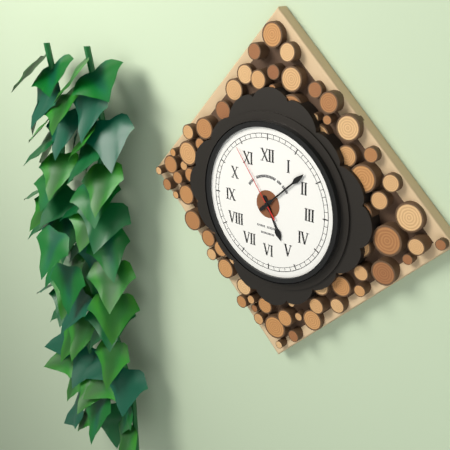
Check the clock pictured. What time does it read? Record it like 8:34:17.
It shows 5:08:54
